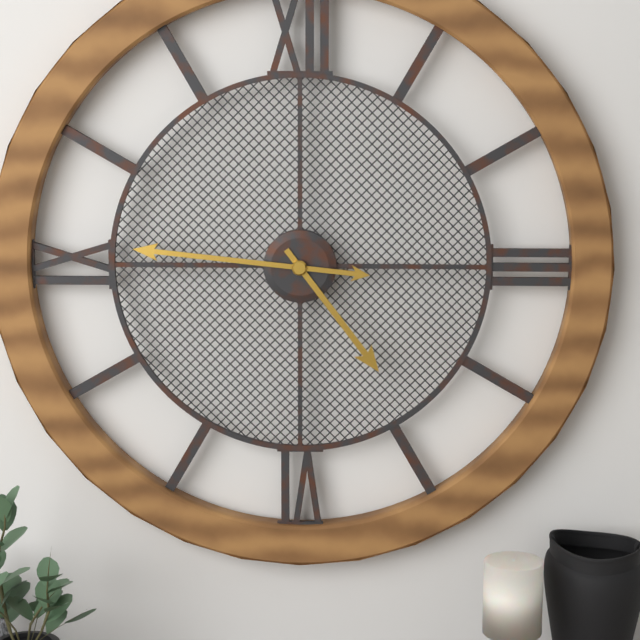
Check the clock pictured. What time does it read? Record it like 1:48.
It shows 4:46
